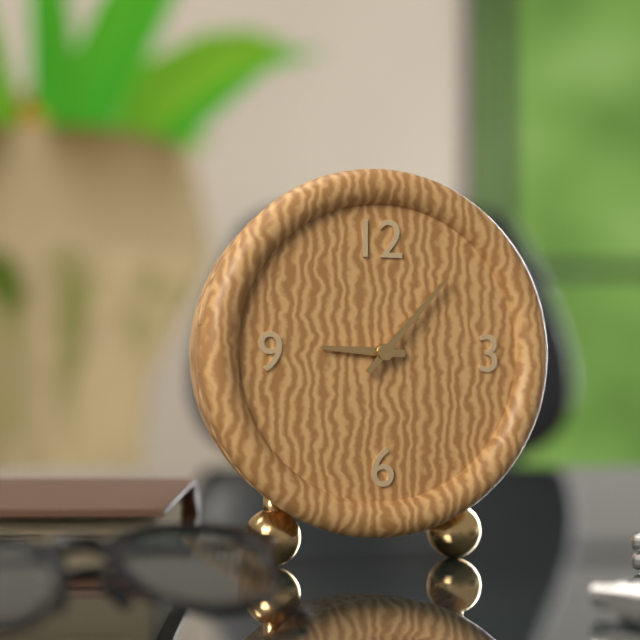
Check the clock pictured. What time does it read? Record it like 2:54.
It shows 9:07
